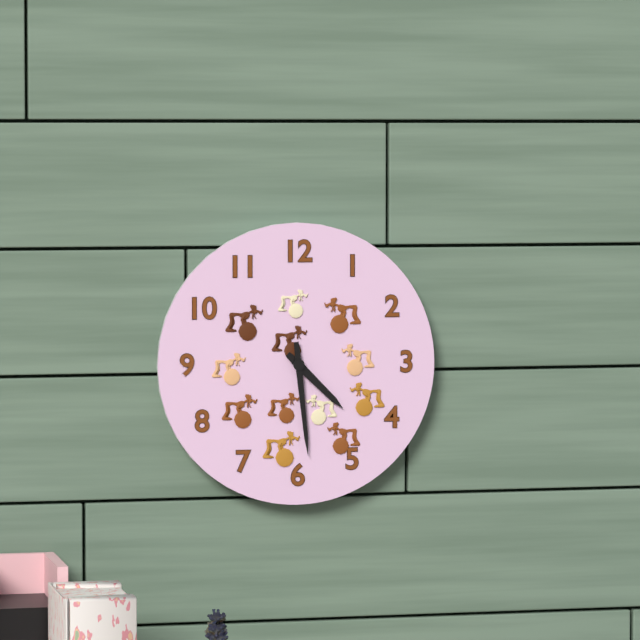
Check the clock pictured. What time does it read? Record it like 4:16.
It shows 4:29
